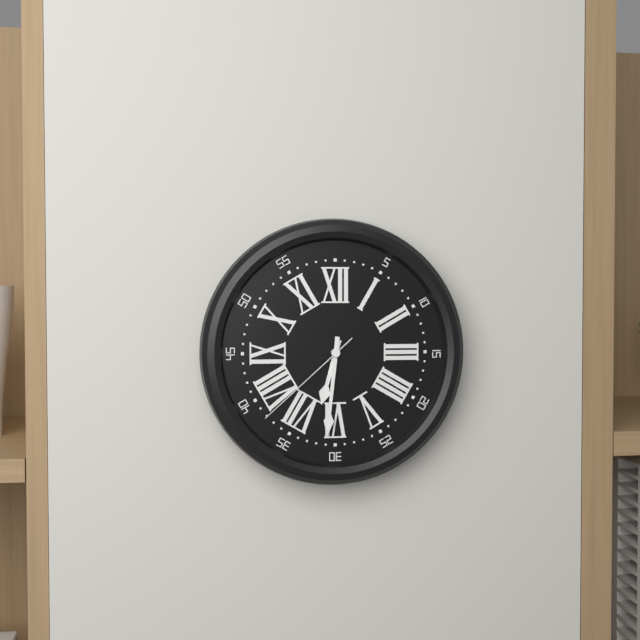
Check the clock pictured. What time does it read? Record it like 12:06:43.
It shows 6:31:38
